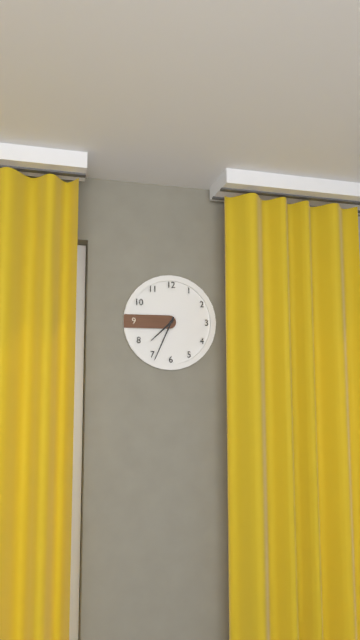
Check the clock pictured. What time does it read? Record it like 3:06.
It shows 7:34
